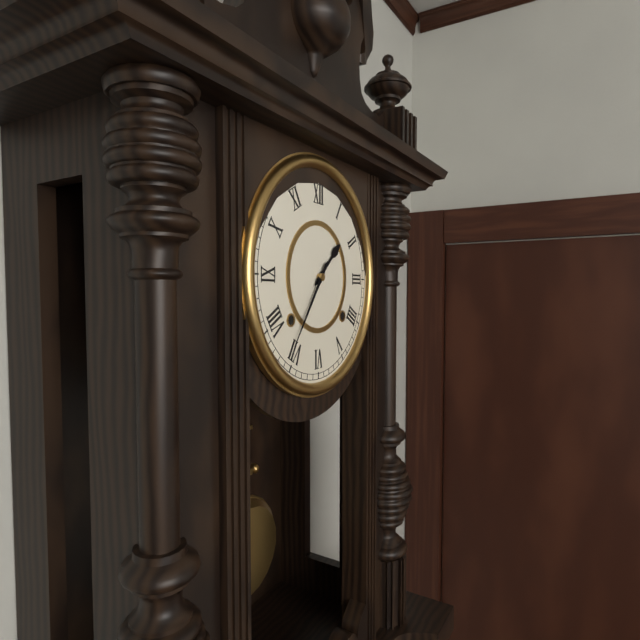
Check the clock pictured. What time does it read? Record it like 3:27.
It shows 1:36
